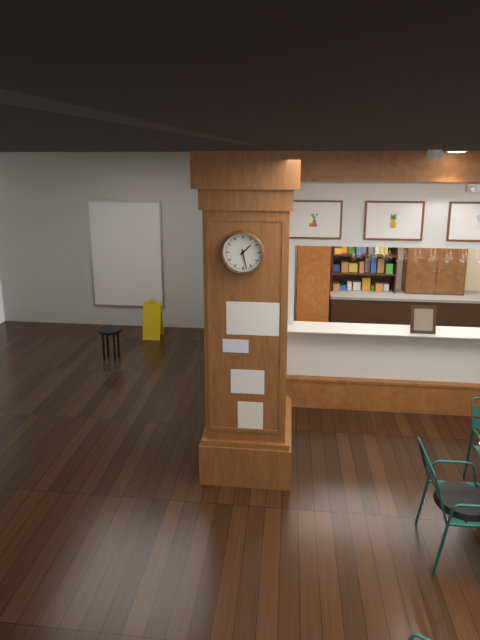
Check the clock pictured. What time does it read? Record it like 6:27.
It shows 1:28
